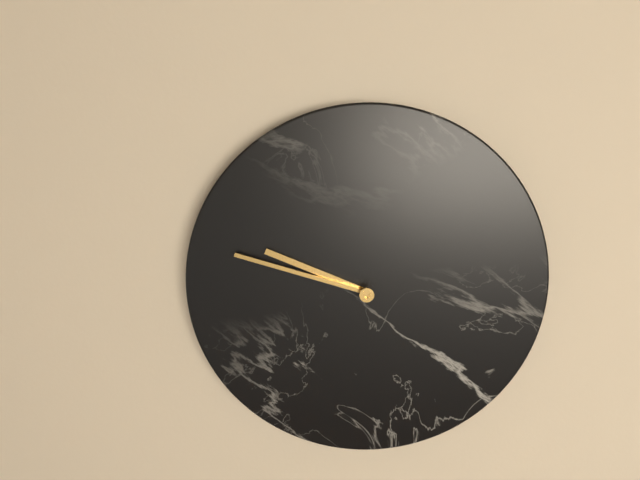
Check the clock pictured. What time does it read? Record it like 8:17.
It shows 9:48
